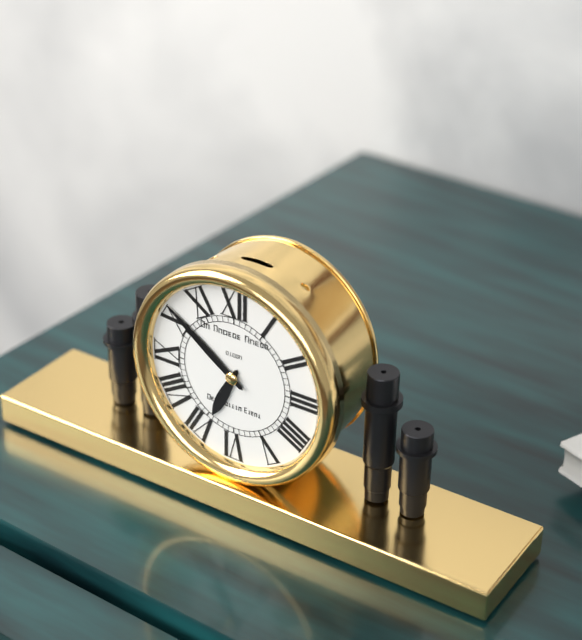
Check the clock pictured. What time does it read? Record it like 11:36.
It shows 6:51
